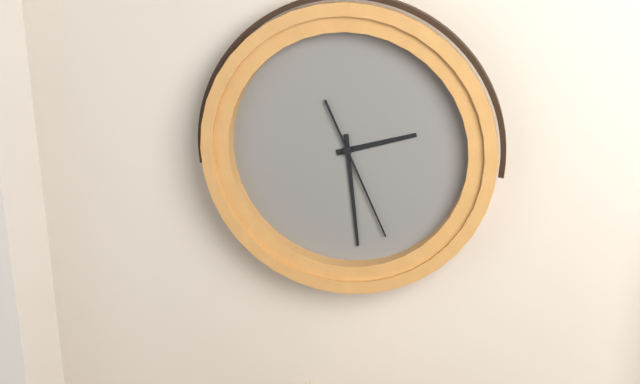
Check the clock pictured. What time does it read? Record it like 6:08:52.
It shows 2:29:26
